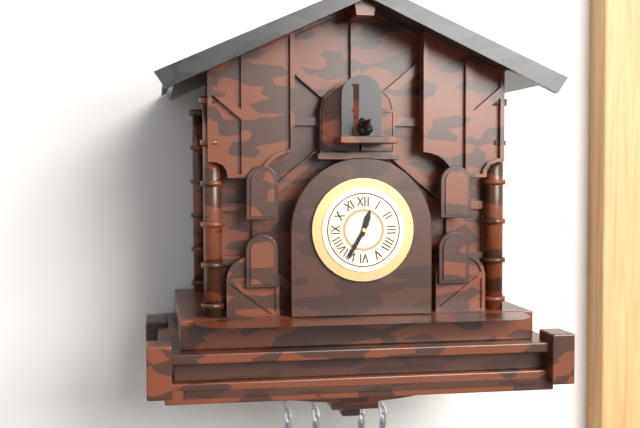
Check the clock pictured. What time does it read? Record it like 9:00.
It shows 12:35
